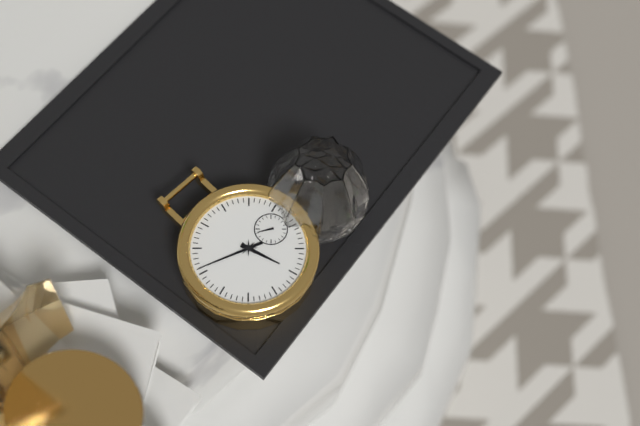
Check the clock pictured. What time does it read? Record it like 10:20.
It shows 6:56
